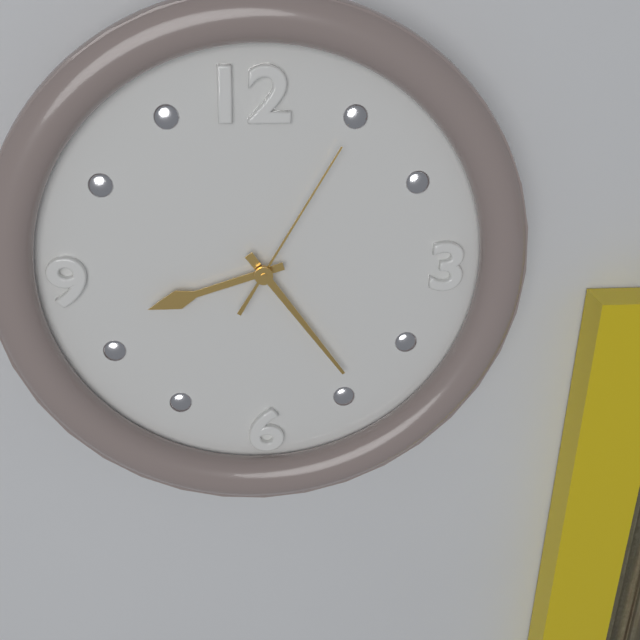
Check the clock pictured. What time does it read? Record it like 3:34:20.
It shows 8:24:05
